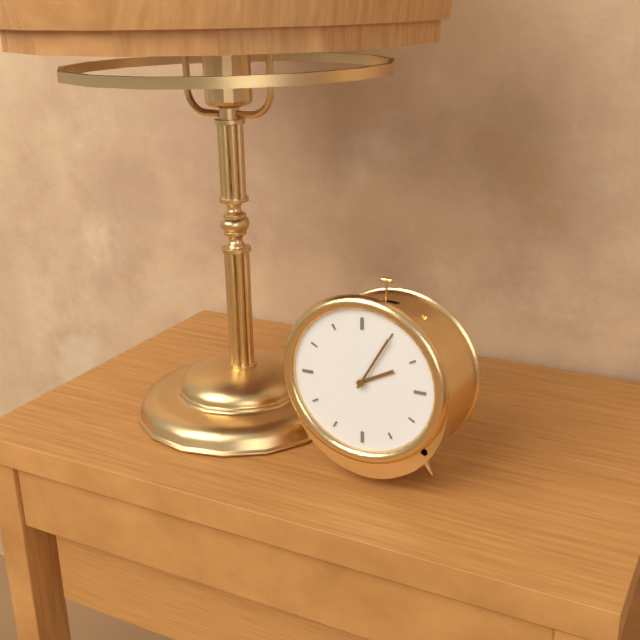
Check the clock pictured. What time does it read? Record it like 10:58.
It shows 2:05
